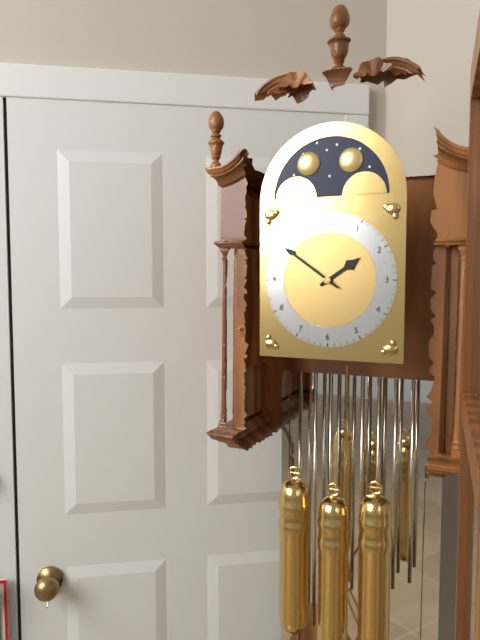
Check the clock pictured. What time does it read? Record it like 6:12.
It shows 1:51
